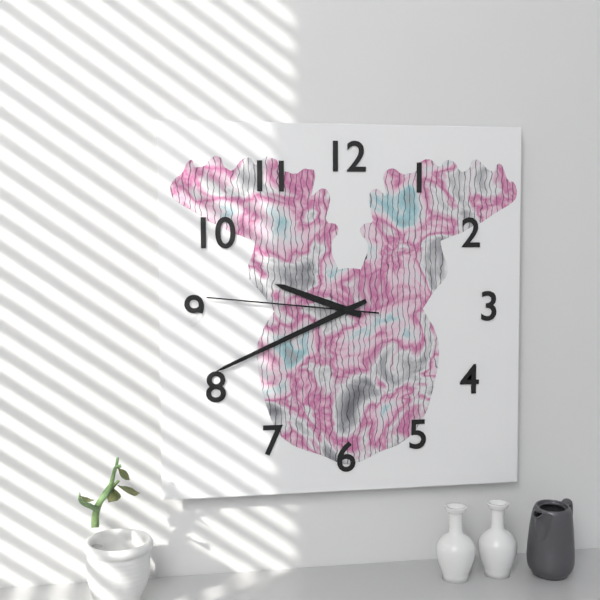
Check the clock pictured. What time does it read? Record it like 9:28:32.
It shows 9:41:46
